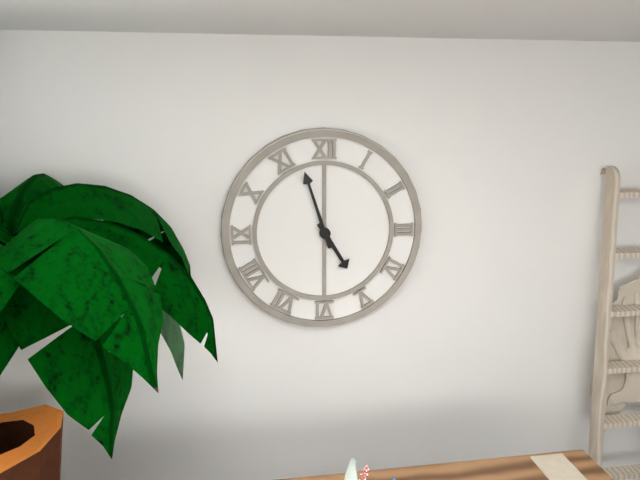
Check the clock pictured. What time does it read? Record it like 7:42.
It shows 4:57
